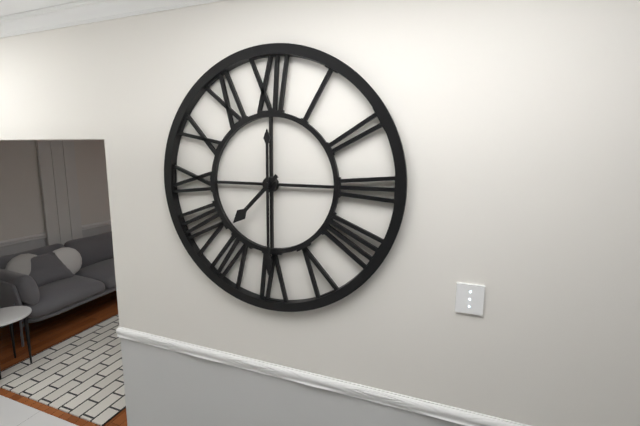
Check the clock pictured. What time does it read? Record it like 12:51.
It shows 7:30
